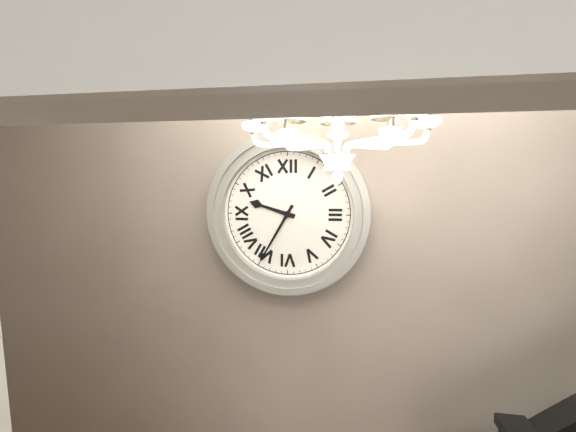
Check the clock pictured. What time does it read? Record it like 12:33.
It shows 9:35
